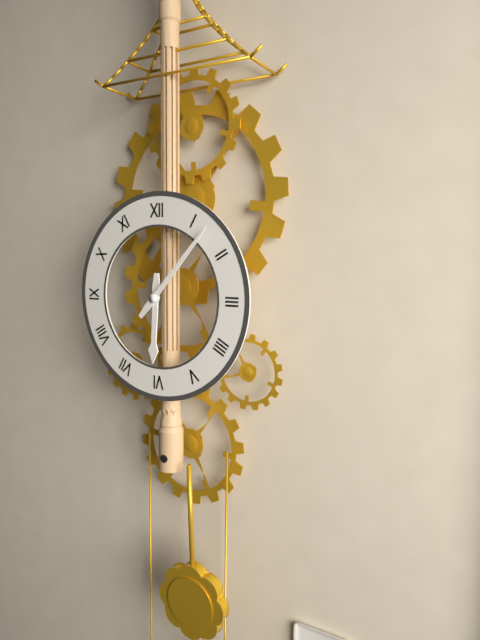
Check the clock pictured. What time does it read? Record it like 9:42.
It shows 6:07
